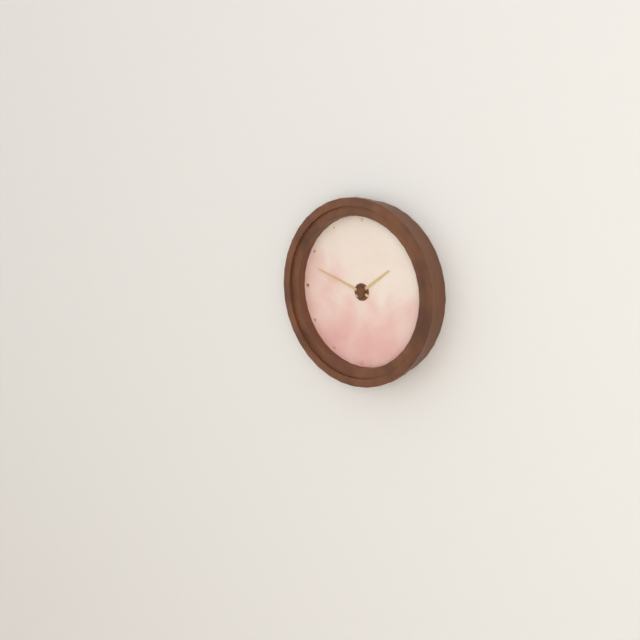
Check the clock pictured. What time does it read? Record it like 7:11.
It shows 1:48
